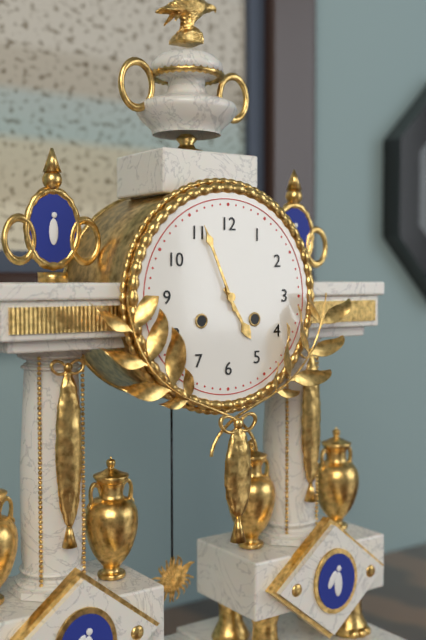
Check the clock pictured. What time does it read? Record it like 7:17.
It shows 4:56
